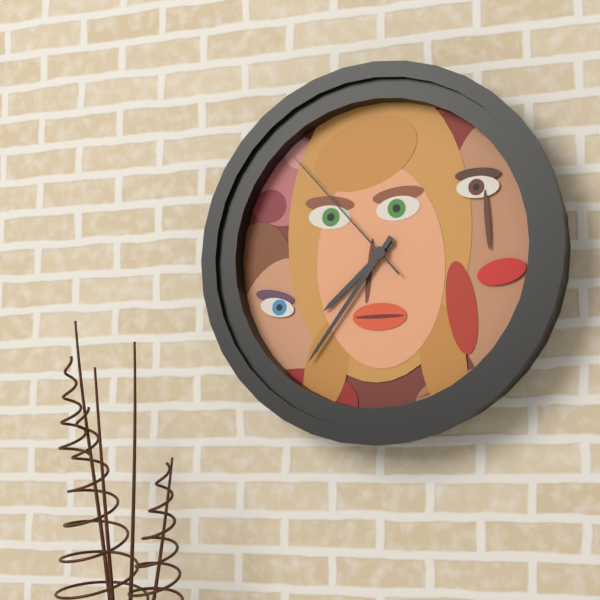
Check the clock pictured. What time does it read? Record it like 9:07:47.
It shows 7:36:53
